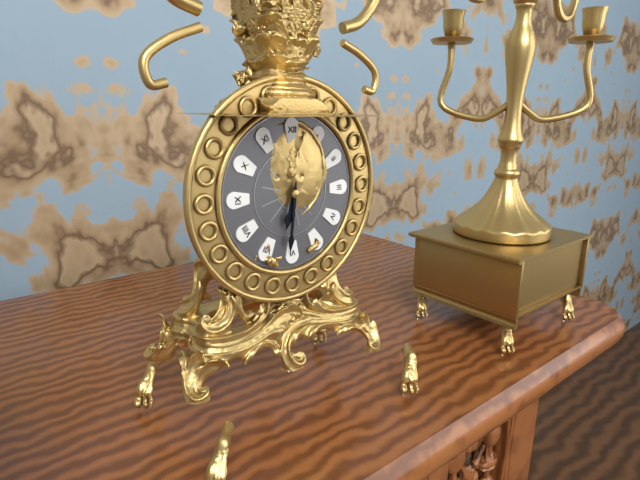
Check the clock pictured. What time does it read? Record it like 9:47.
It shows 6:31
